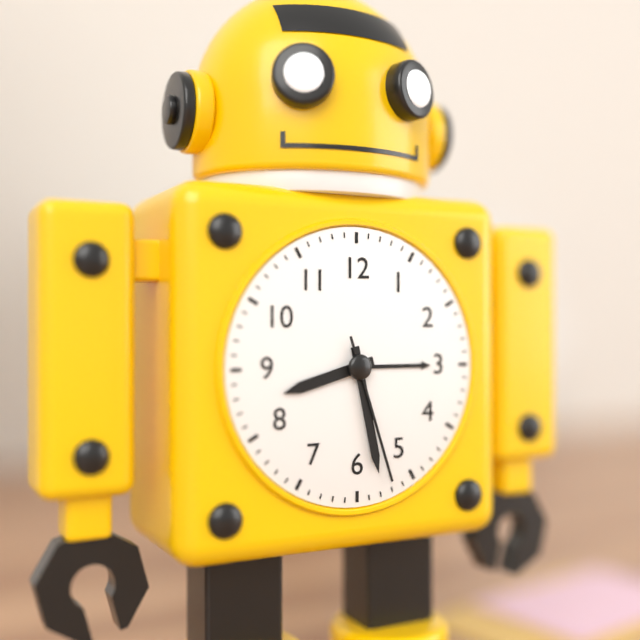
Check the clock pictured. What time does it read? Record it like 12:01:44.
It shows 8:28:27
